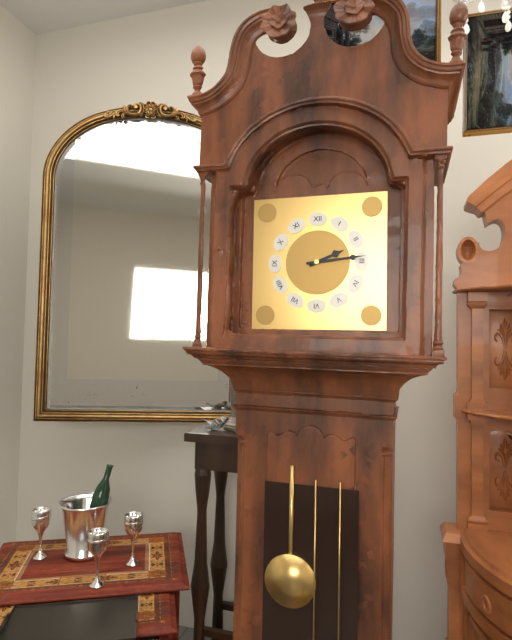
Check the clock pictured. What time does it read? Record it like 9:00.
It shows 2:14
